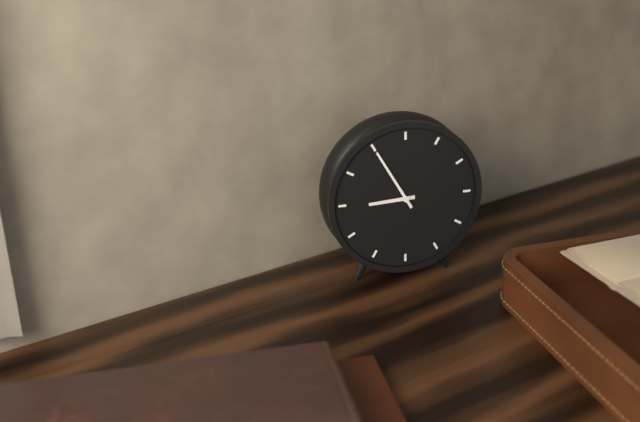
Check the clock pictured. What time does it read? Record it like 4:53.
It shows 8:55
